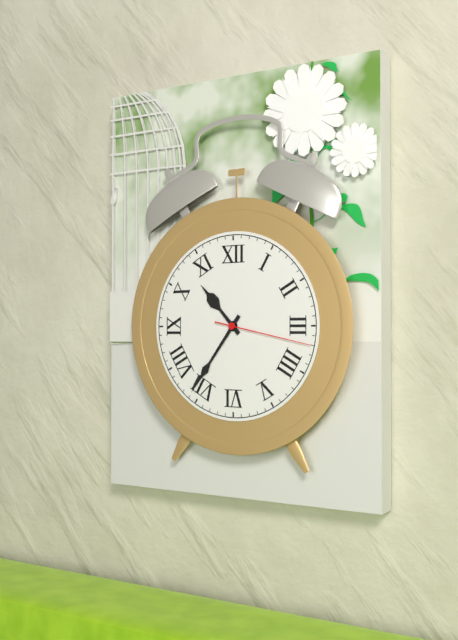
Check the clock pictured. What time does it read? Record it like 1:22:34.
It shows 10:36:17
